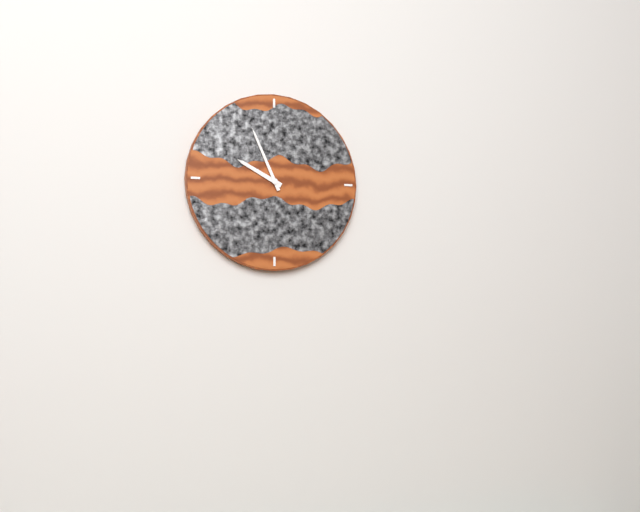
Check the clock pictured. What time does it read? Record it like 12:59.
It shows 9:56
